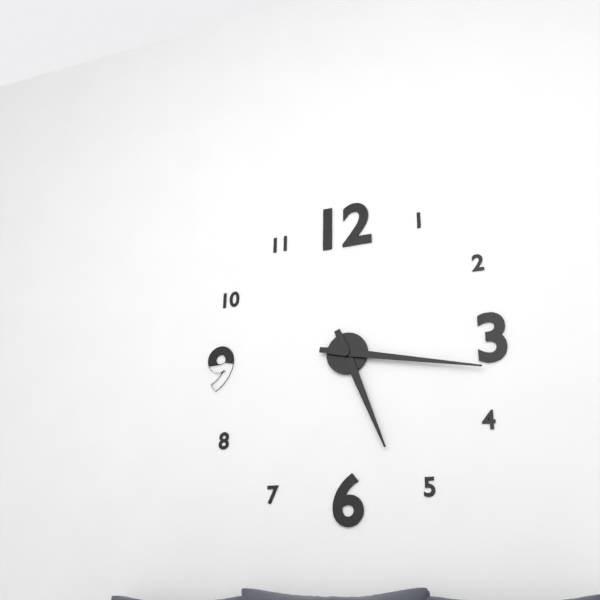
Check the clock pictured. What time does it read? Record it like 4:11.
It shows 5:17
